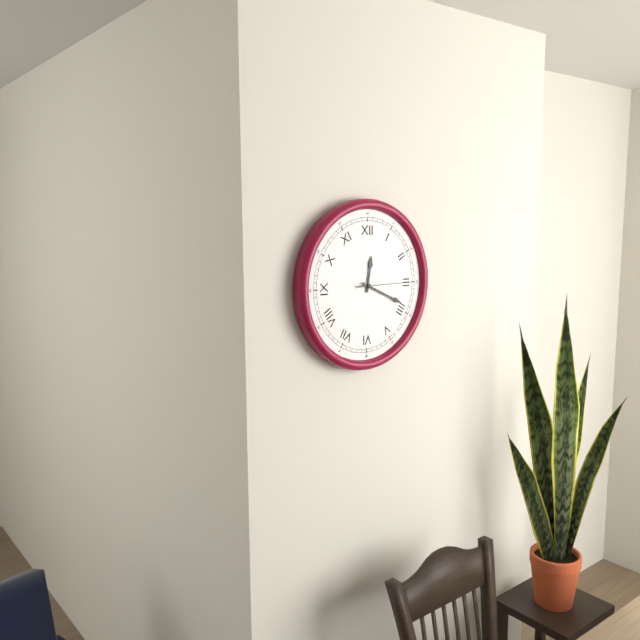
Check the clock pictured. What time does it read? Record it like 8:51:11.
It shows 12:19:15
